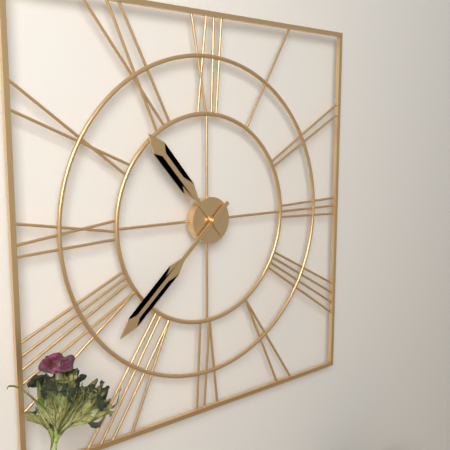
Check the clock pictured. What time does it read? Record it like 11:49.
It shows 10:38
